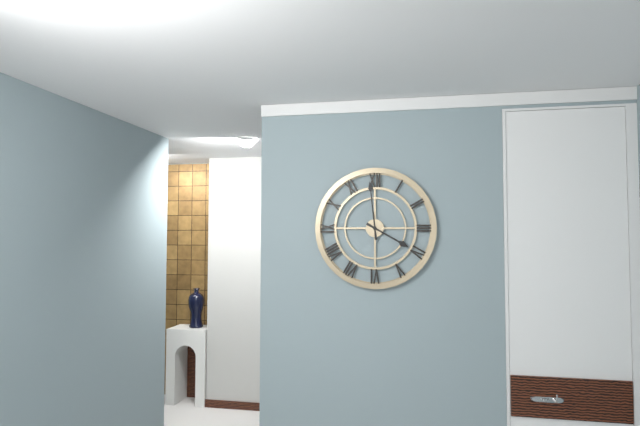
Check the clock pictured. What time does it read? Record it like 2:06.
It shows 3:59
